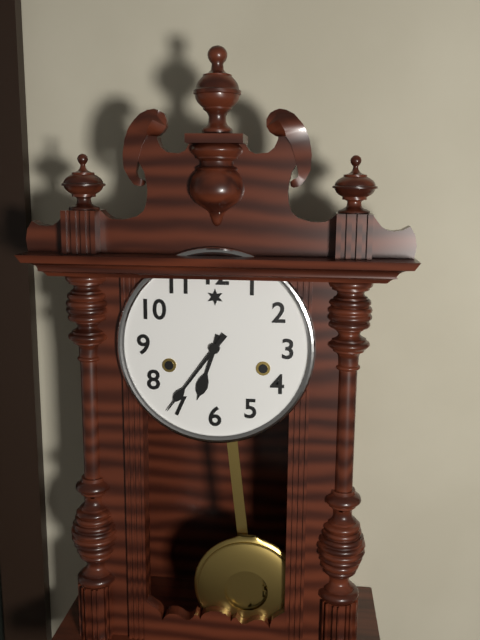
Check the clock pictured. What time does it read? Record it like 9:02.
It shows 6:36
